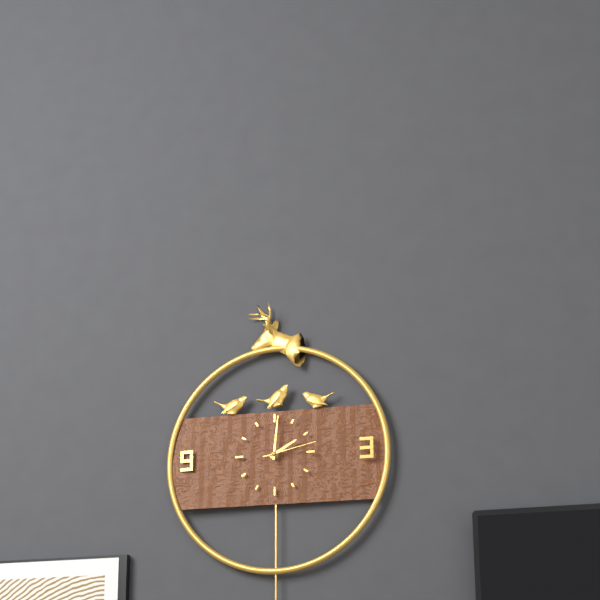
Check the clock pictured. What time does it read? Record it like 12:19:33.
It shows 2:01:13
